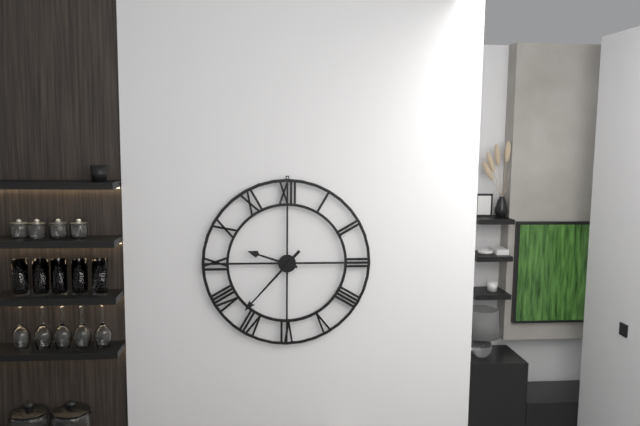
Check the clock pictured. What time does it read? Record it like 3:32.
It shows 9:37
